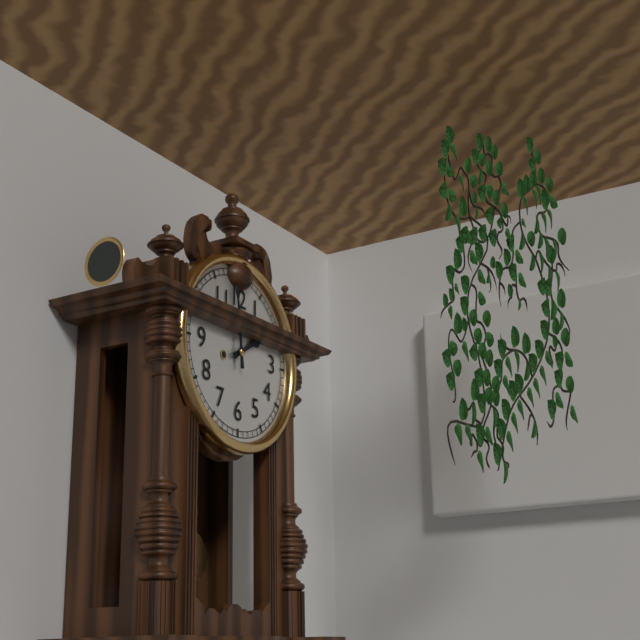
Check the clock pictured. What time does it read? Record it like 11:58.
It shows 1:59
